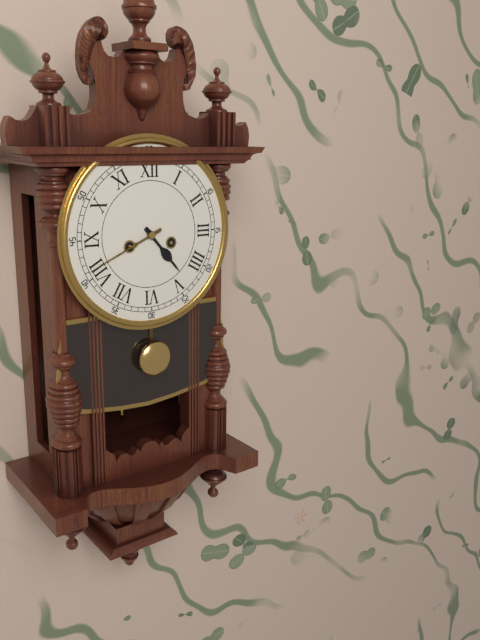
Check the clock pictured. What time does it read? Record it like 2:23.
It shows 4:41
